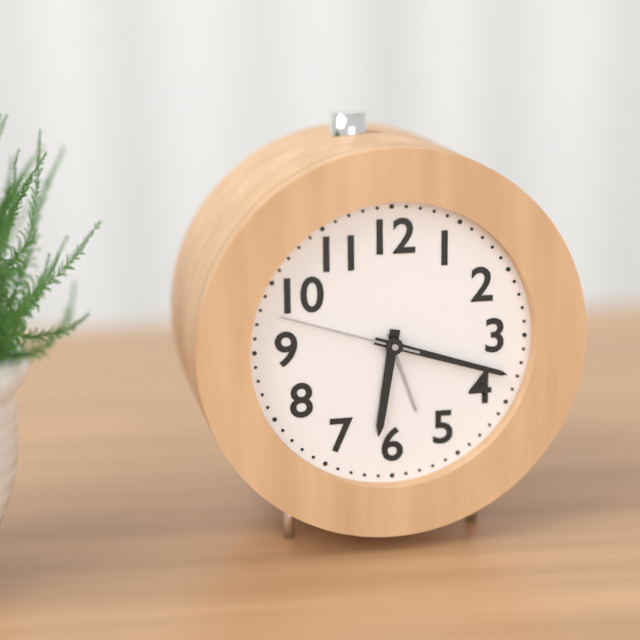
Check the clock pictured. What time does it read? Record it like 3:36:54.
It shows 6:18:48
